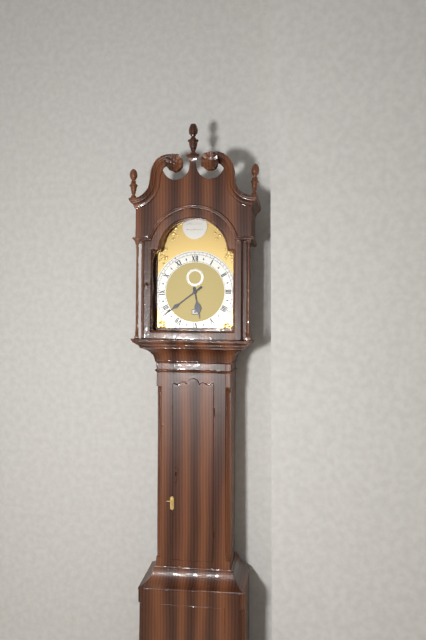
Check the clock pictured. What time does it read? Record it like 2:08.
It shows 5:39
